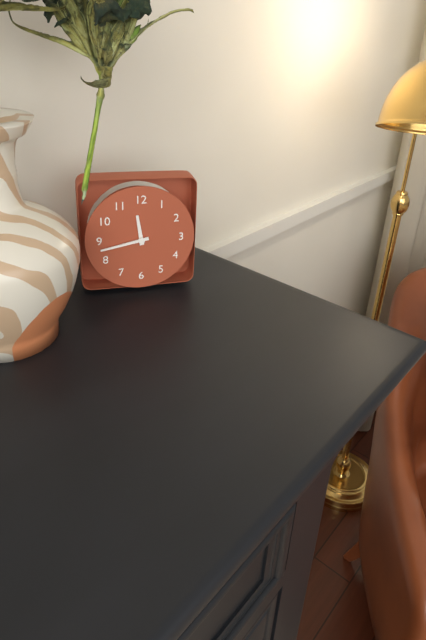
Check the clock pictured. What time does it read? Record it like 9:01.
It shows 11:43
